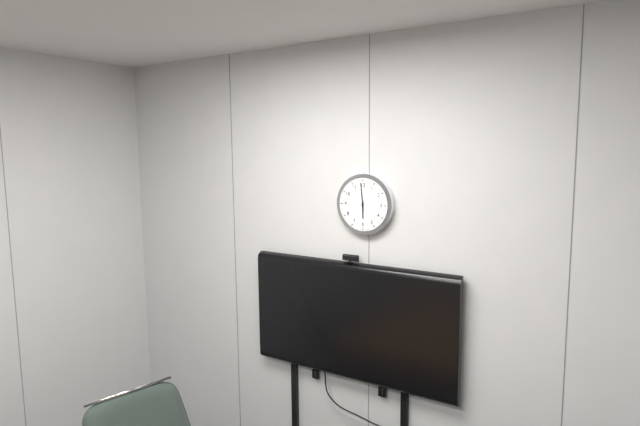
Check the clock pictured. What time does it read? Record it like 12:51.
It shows 5:59
